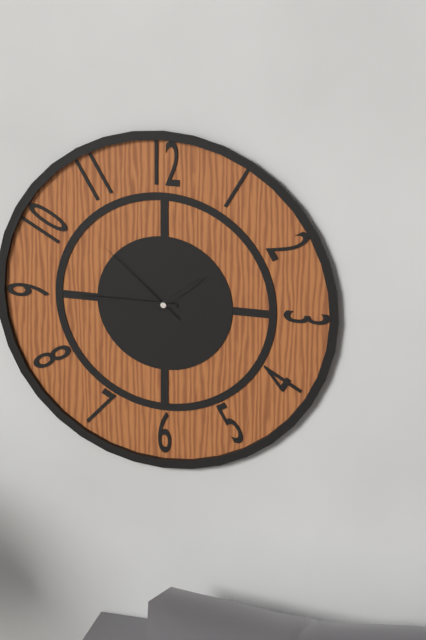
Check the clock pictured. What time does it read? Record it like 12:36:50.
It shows 1:45:52
